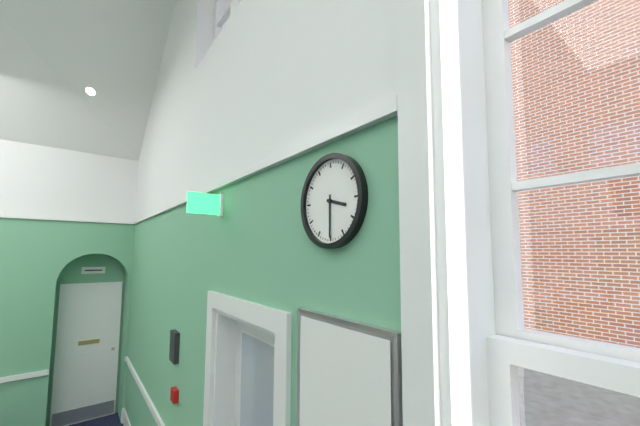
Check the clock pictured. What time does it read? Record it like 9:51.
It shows 3:30
